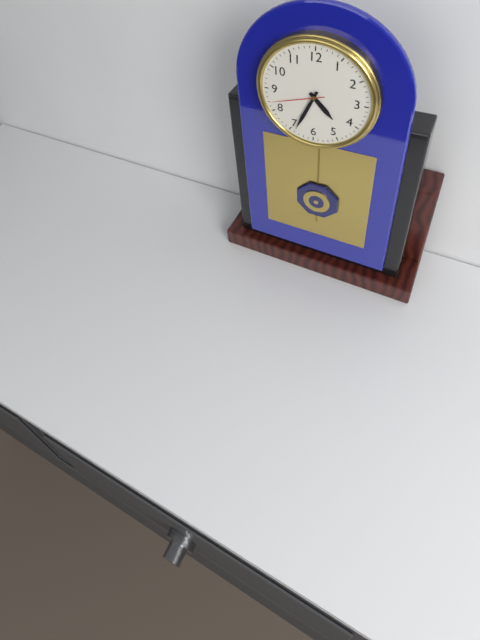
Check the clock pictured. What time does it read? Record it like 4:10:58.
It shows 4:34:42
